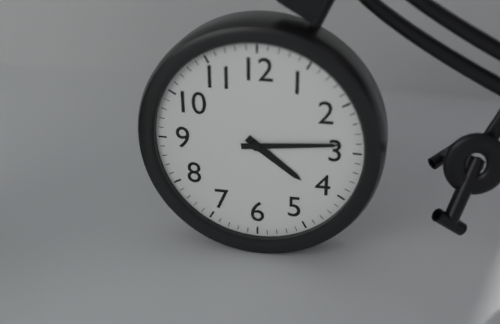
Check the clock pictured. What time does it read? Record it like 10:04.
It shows 4:14
